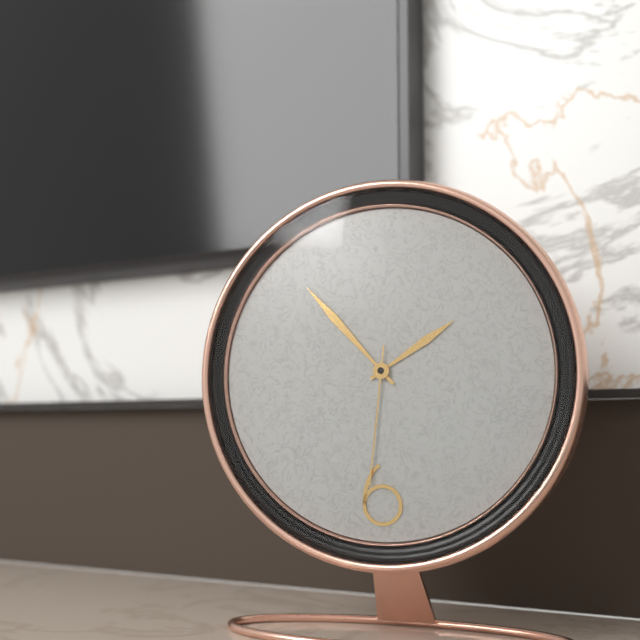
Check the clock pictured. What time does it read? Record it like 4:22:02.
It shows 1:53:31
